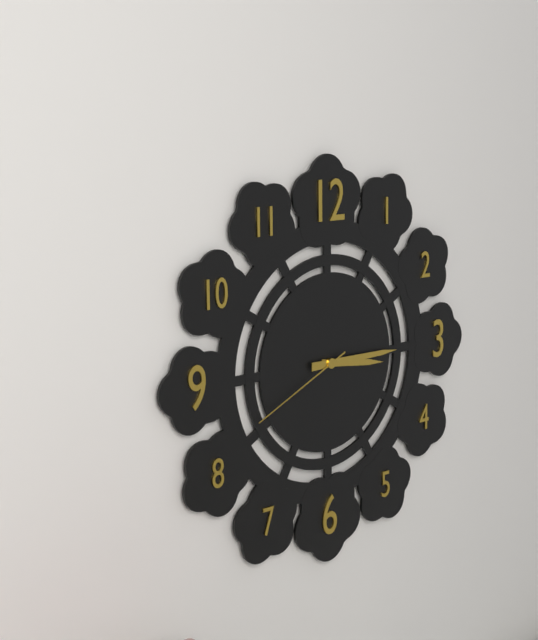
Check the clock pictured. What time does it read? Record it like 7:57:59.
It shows 3:15:41
